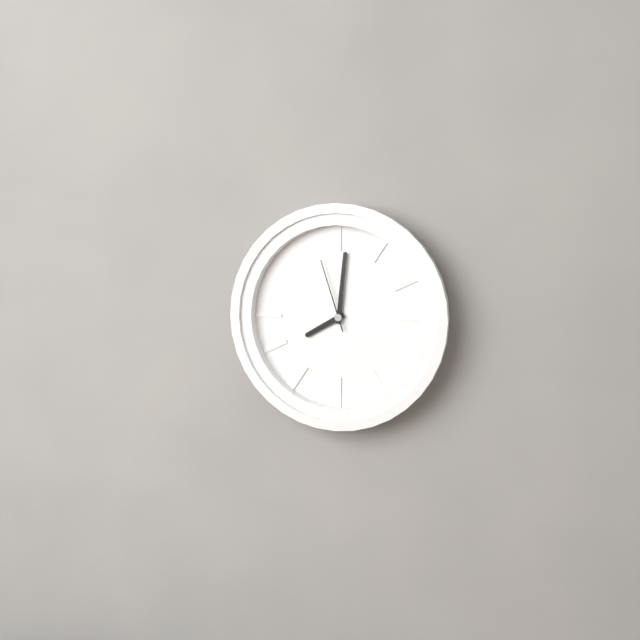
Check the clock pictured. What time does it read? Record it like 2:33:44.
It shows 8:01:57
